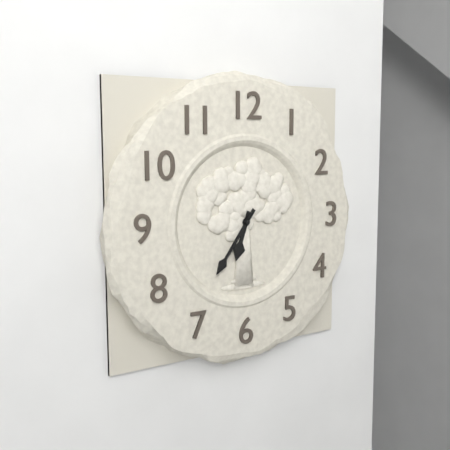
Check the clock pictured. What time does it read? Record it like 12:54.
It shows 6:36
